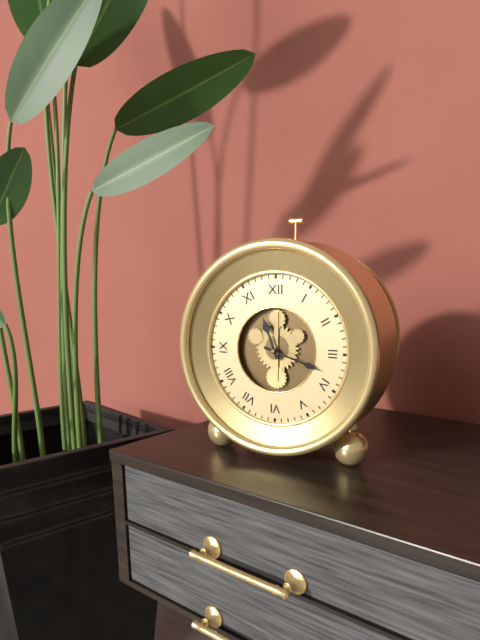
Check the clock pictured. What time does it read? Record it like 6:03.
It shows 11:18
